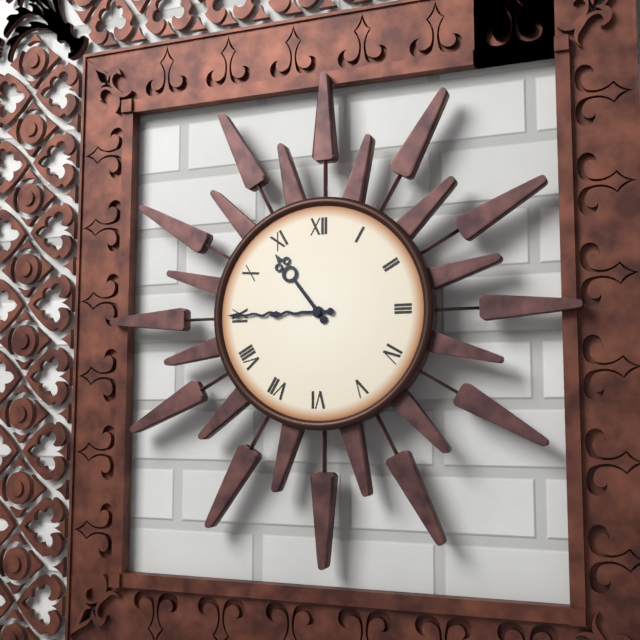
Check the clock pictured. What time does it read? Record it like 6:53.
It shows 10:45
